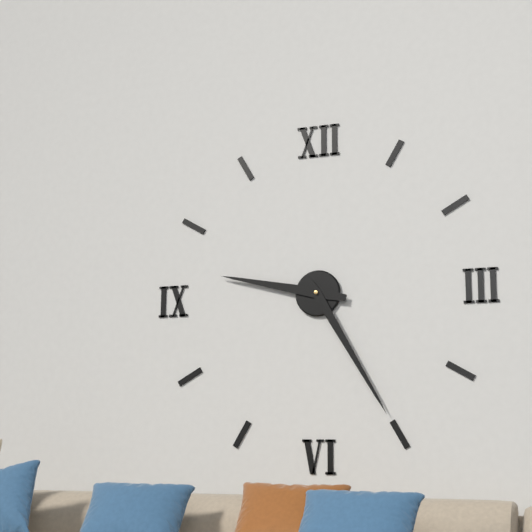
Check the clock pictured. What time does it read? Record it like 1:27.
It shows 9:25
